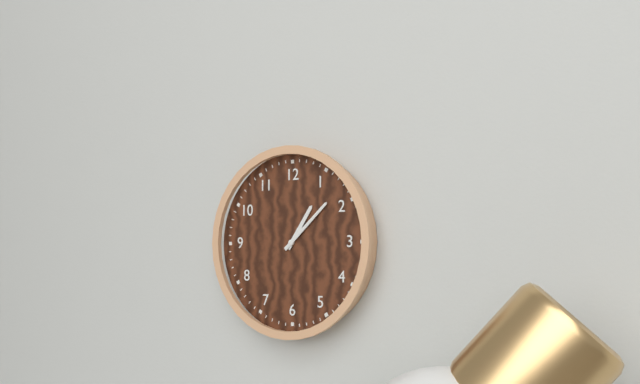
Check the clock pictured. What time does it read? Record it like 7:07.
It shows 1:08
